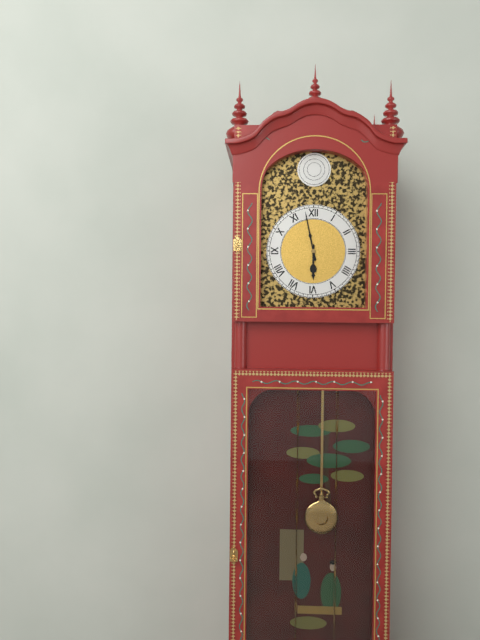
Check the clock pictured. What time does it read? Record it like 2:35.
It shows 5:58
